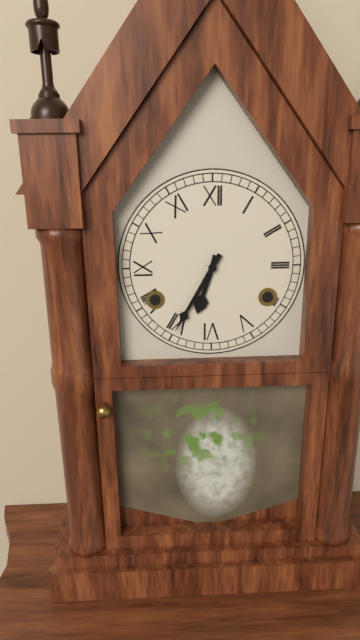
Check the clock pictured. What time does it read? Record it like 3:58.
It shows 6:35
